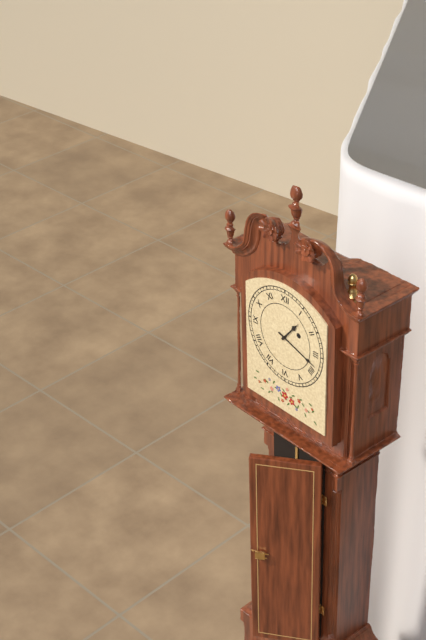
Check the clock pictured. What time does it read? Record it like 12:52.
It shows 1:18
